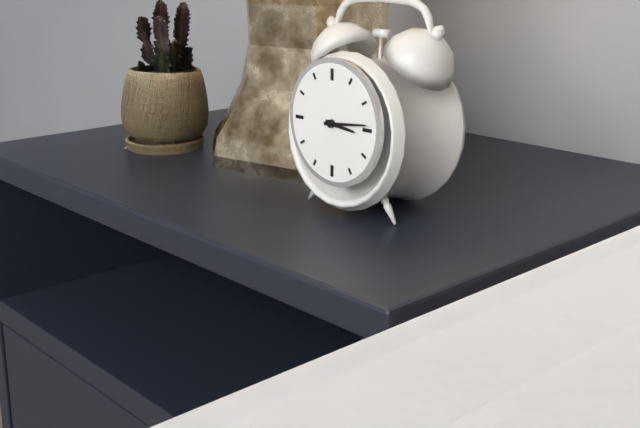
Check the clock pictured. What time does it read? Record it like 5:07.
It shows 3:14
